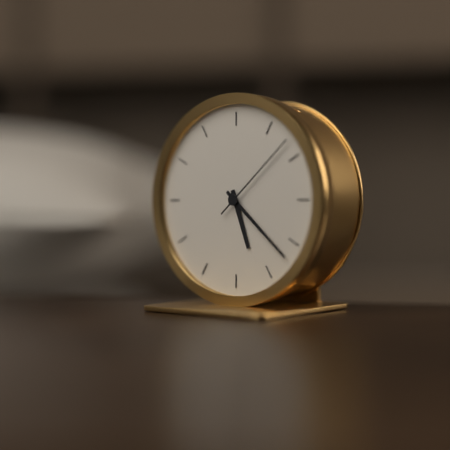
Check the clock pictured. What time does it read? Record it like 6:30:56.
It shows 5:22:08
